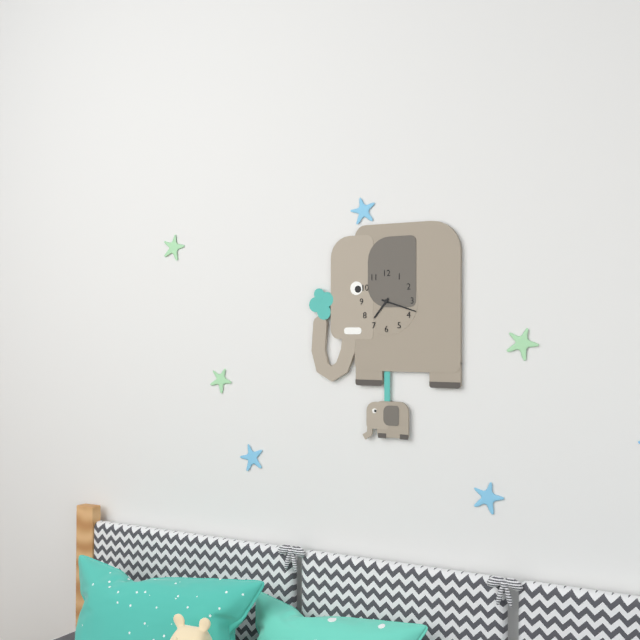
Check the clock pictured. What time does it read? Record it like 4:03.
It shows 7:18
